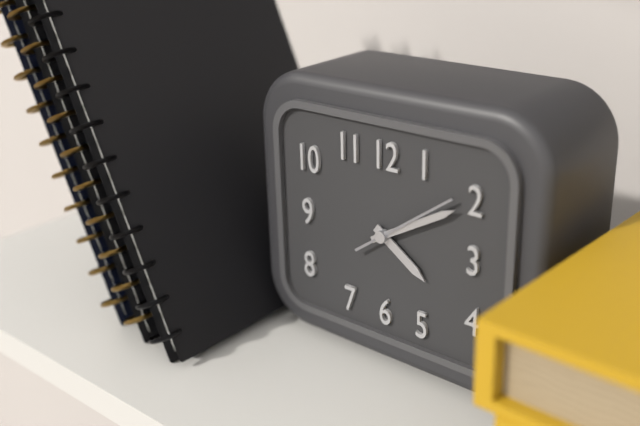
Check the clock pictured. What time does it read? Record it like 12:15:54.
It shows 4:10:09
